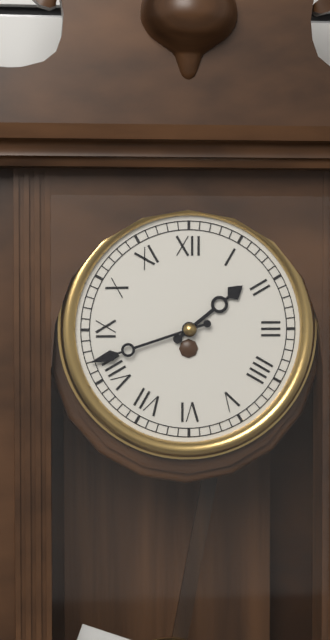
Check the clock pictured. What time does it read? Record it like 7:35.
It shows 1:42
